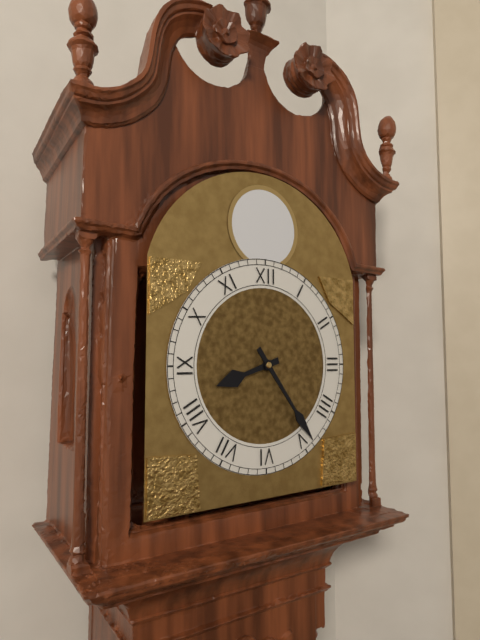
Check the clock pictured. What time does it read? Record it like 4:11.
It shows 8:24
